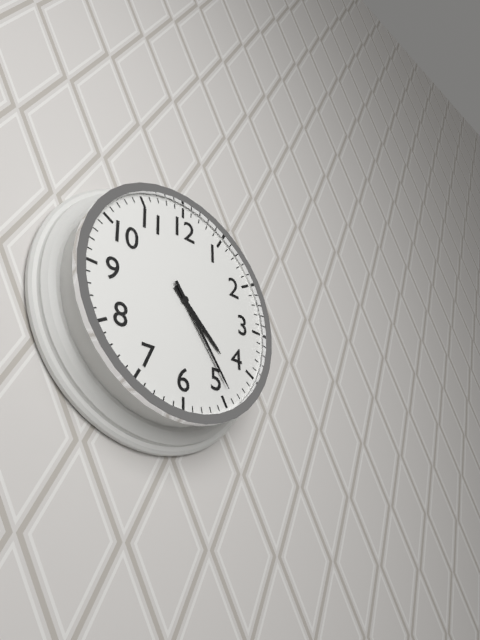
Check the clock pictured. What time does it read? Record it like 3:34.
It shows 4:24
